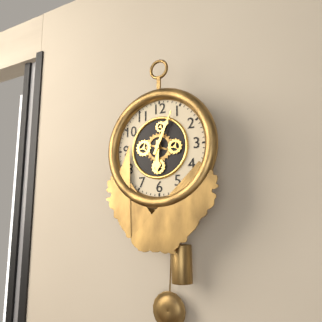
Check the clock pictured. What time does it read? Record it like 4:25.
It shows 6:04
